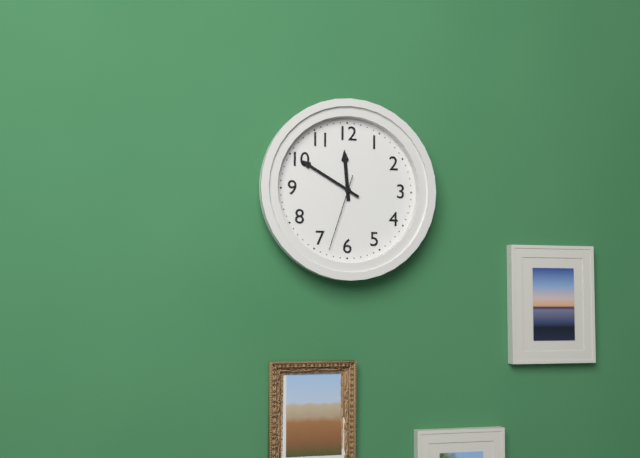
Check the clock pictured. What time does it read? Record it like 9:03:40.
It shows 11:50:33
